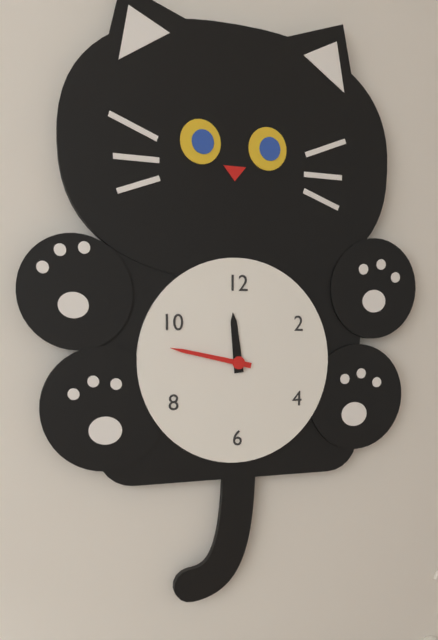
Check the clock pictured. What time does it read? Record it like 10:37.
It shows 11:47
